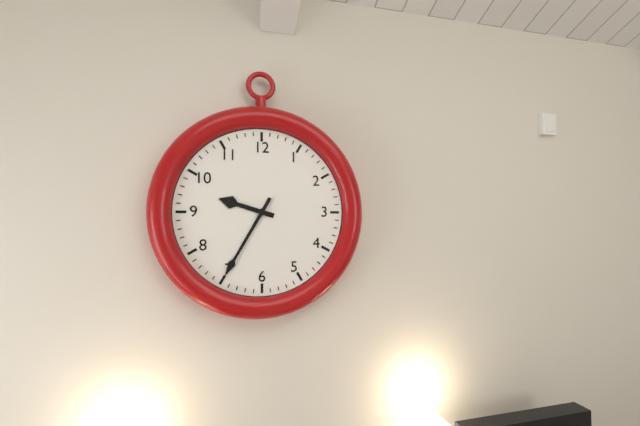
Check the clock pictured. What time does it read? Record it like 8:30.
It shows 9:35
